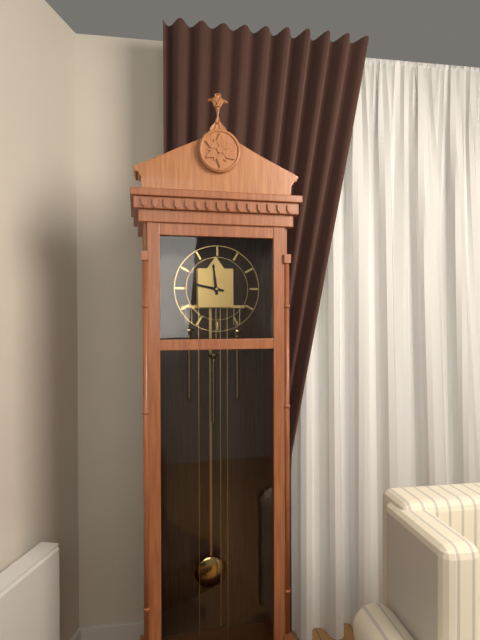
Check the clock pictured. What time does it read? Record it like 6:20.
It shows 11:47
